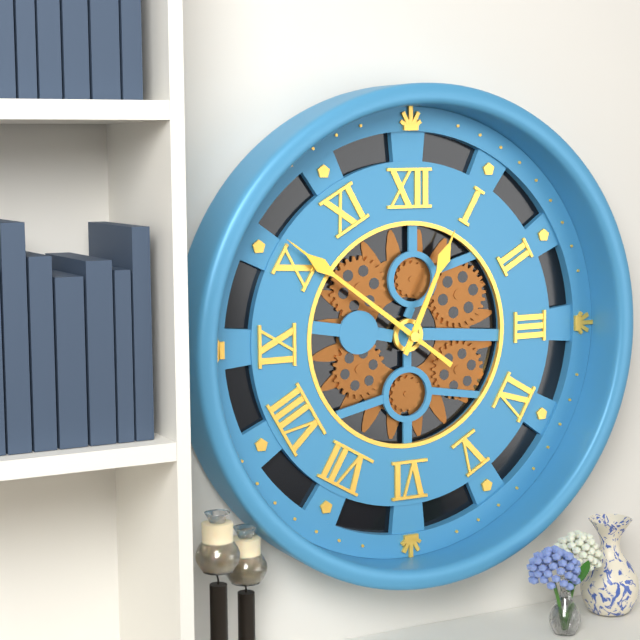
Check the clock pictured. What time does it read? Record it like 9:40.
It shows 12:51
